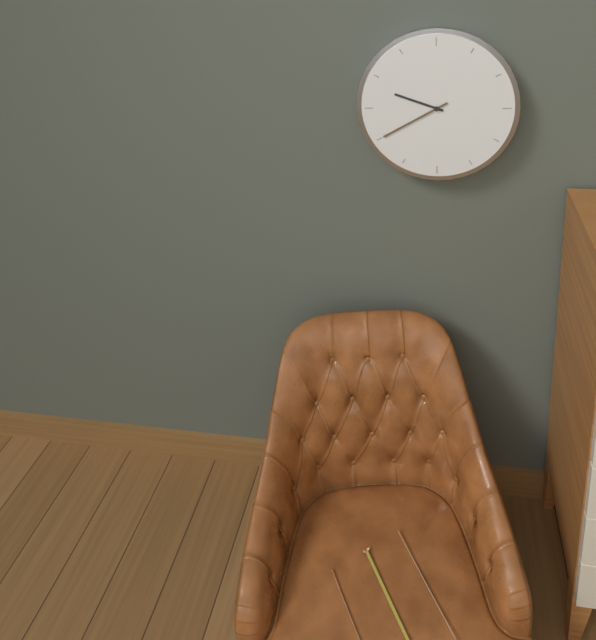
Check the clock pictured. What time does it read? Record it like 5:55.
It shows 9:40
